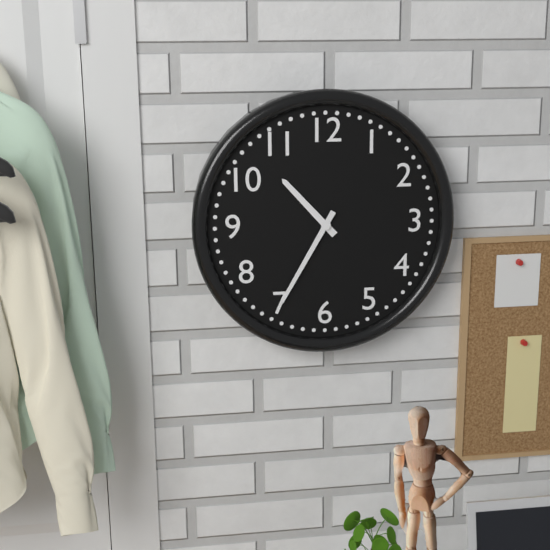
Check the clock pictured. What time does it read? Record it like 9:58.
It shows 10:35
